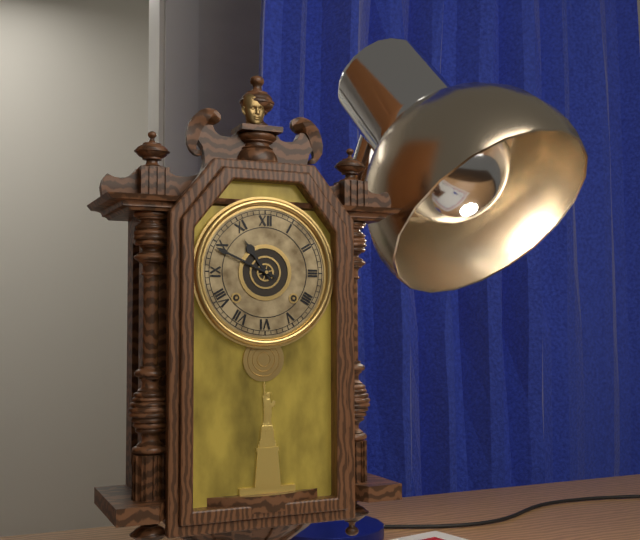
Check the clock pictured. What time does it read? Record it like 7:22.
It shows 10:49
